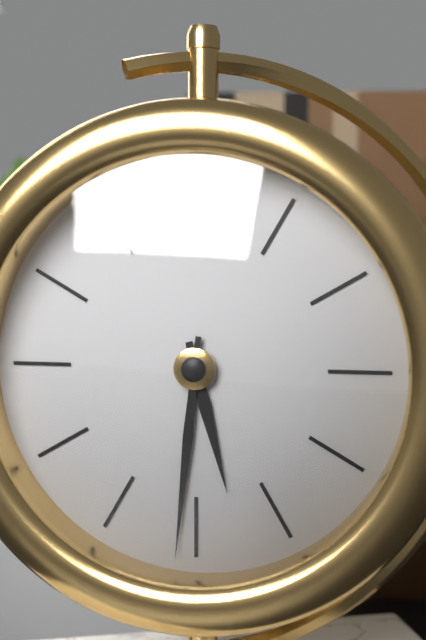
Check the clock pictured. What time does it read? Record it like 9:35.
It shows 5:31
